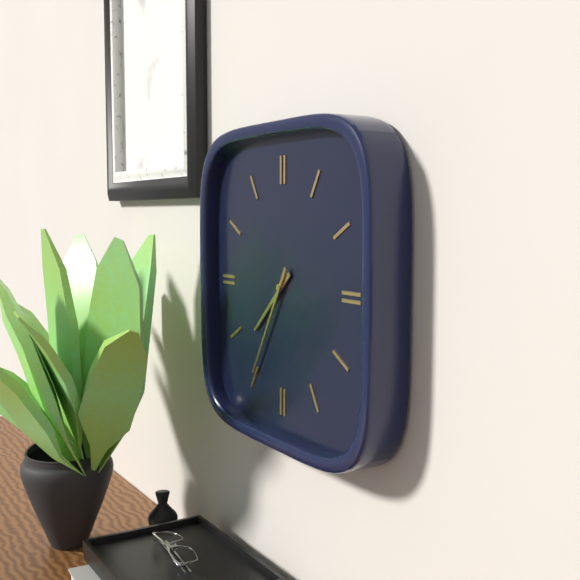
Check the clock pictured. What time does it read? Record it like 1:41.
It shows 7:35
